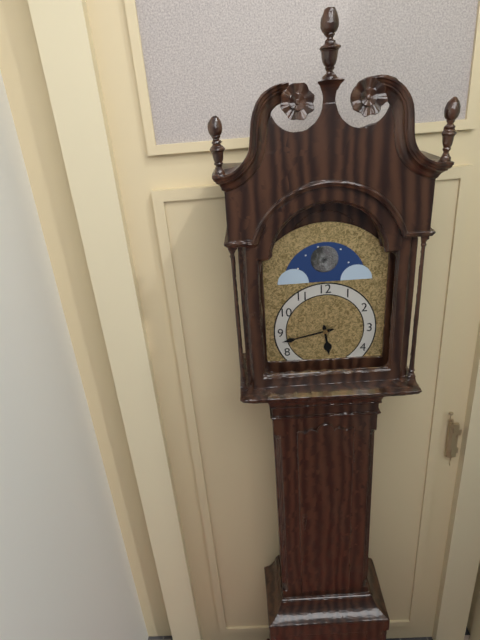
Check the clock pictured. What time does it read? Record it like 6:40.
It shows 5:43
